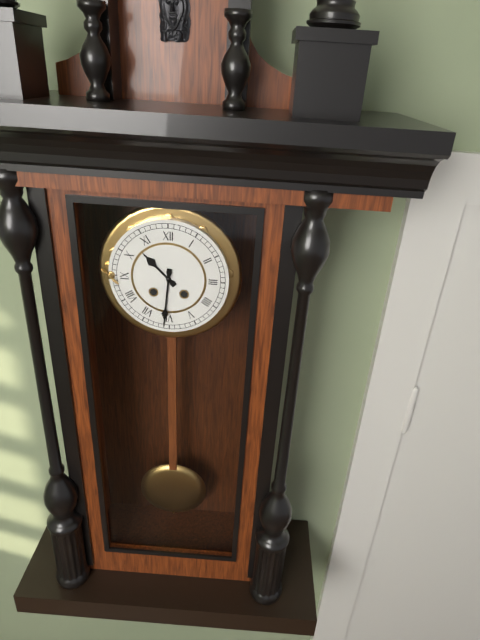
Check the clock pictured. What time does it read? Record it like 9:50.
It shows 10:31
